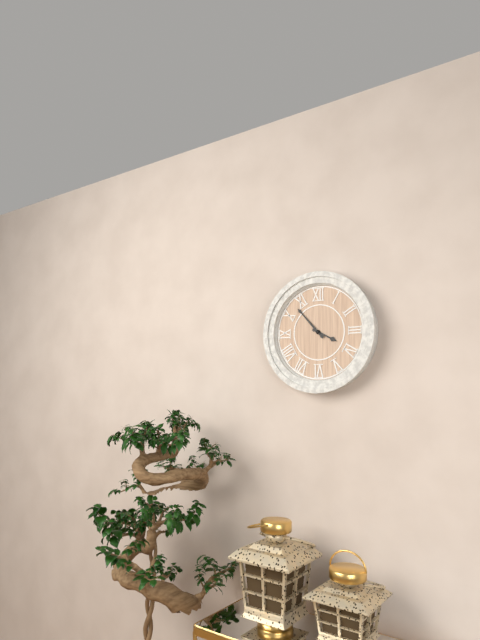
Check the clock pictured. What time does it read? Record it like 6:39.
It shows 3:53
